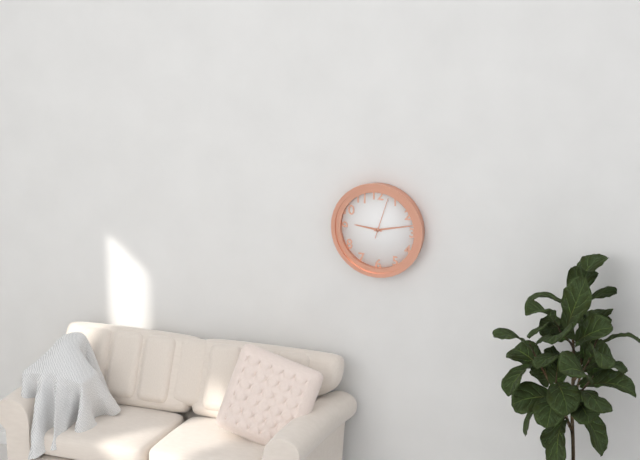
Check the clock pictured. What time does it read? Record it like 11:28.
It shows 9:13
